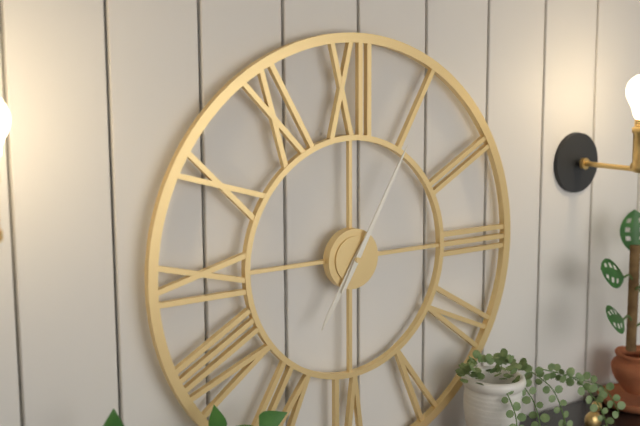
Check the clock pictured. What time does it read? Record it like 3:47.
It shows 7:05
